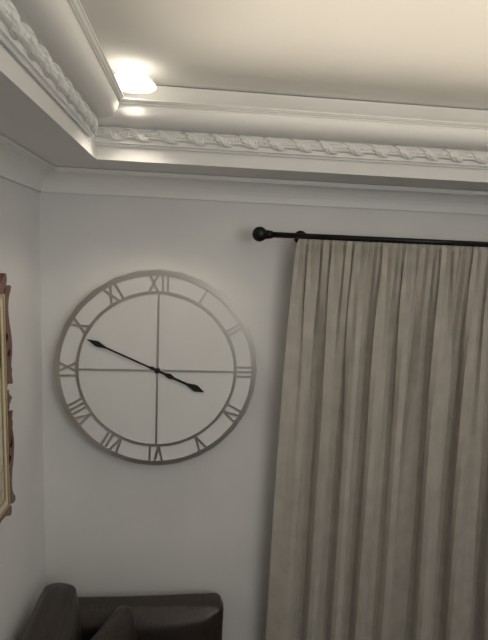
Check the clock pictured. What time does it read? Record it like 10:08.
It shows 3:49
